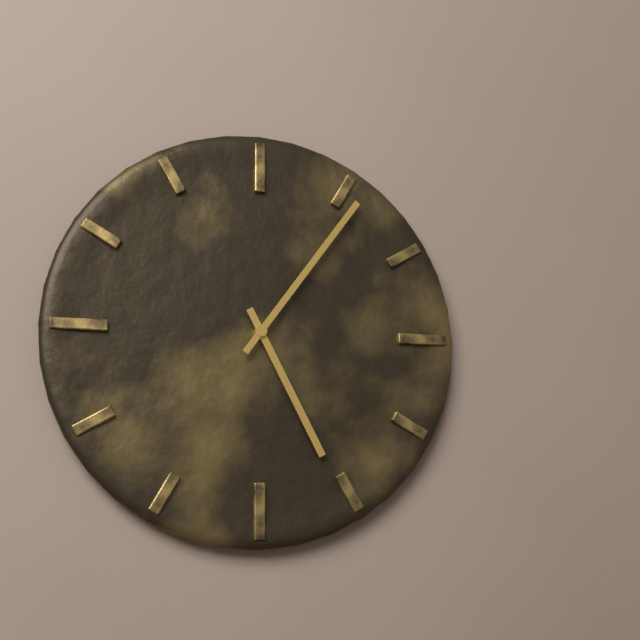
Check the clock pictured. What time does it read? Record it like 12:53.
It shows 5:06
